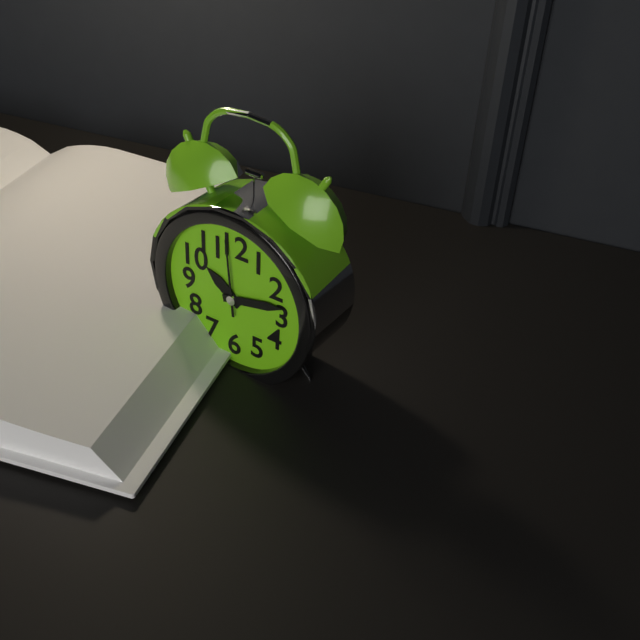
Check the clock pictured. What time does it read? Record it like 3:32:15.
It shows 10:13:59
